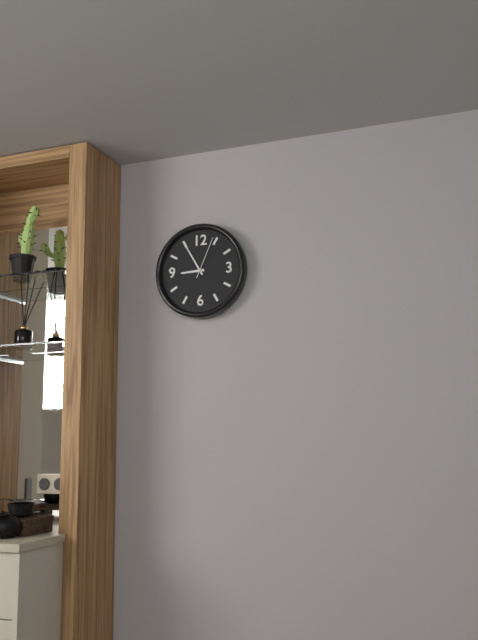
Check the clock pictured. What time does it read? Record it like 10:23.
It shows 8:55
